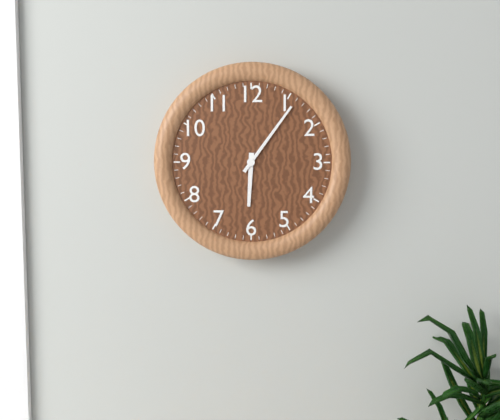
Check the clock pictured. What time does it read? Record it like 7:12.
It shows 6:06
